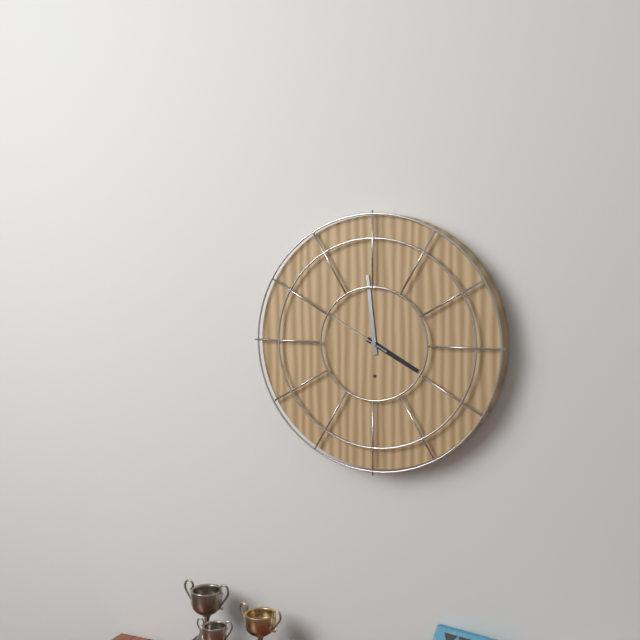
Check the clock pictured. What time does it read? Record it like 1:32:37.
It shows 3:59:50
